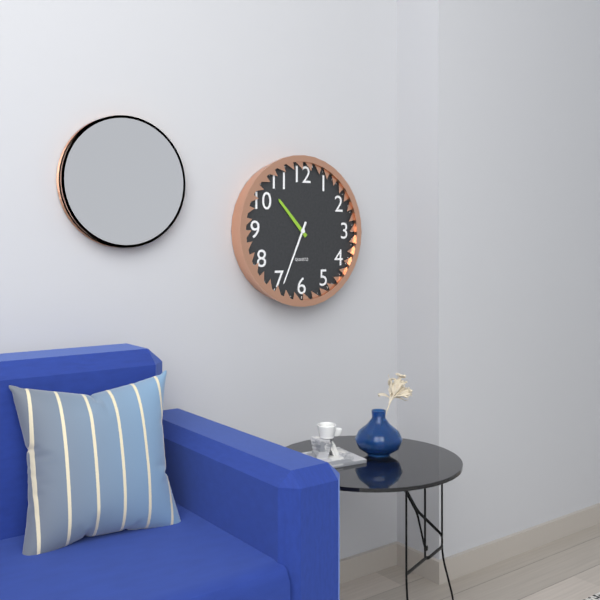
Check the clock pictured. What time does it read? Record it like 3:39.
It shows 10:34
